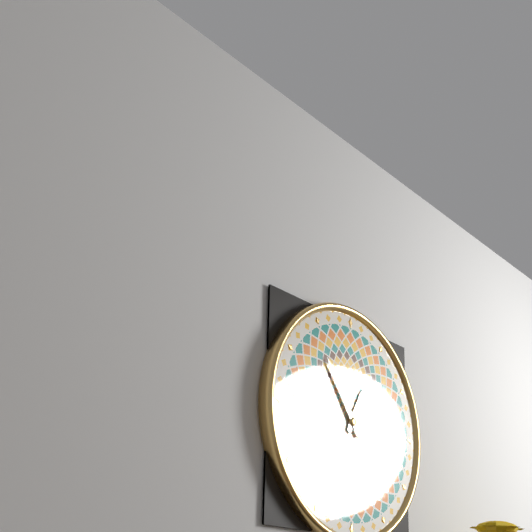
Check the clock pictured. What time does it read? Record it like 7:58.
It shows 12:54
